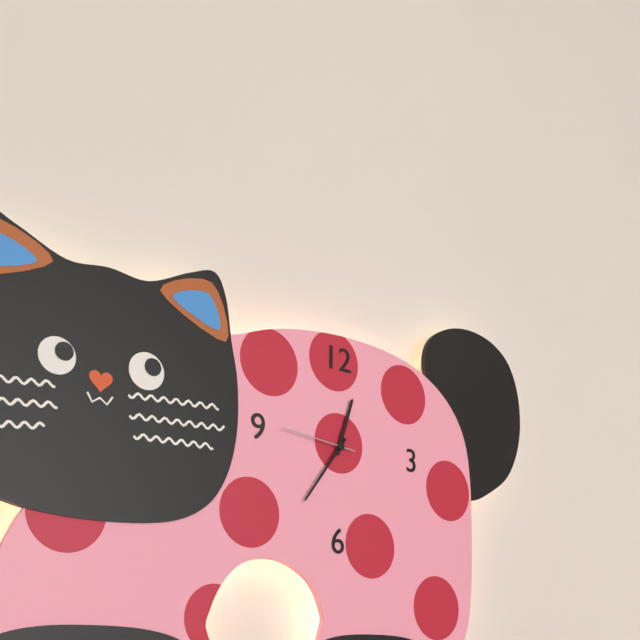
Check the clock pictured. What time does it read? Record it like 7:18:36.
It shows 12:36:46
